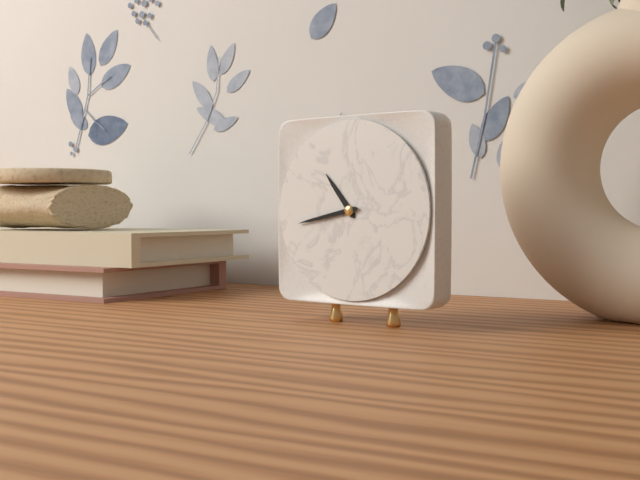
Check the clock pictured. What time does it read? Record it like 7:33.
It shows 10:43
